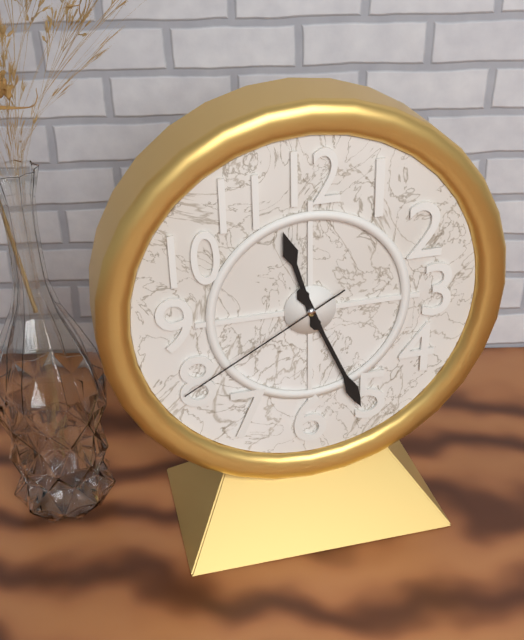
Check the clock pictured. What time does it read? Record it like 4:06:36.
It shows 11:26:40
